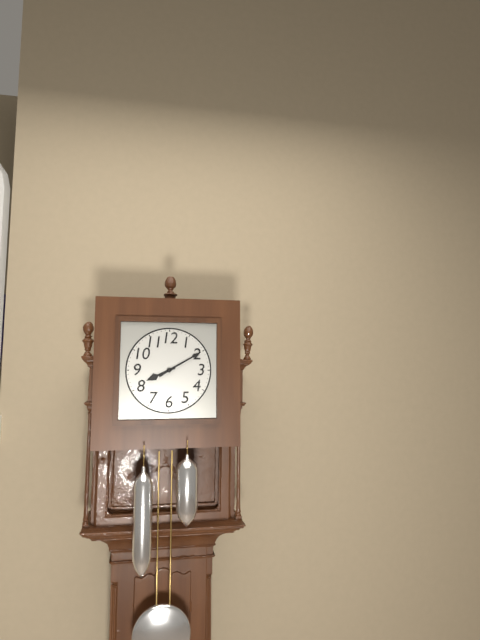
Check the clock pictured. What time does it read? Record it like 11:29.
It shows 8:10
